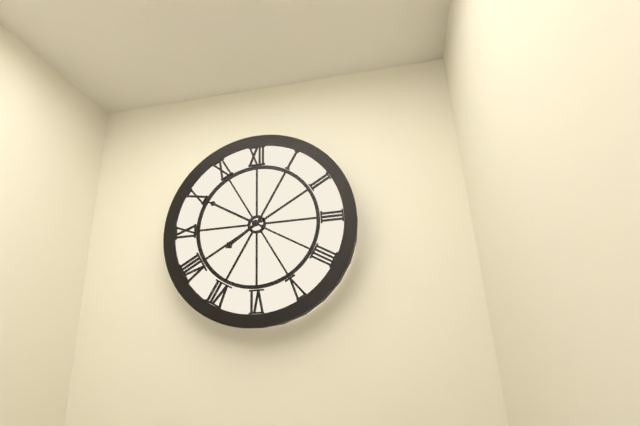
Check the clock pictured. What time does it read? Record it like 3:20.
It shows 7:50
